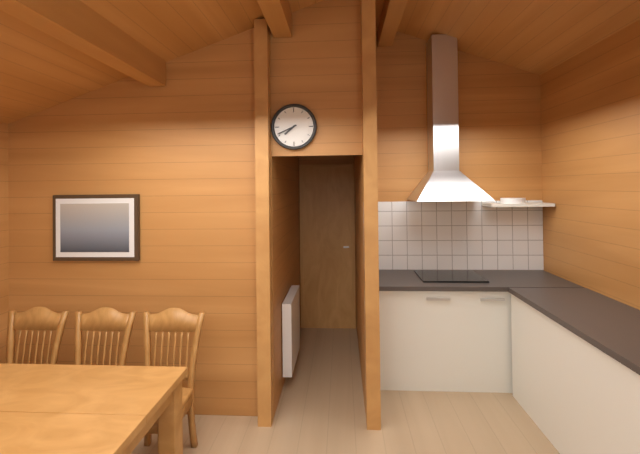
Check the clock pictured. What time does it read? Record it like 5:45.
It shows 7:41
